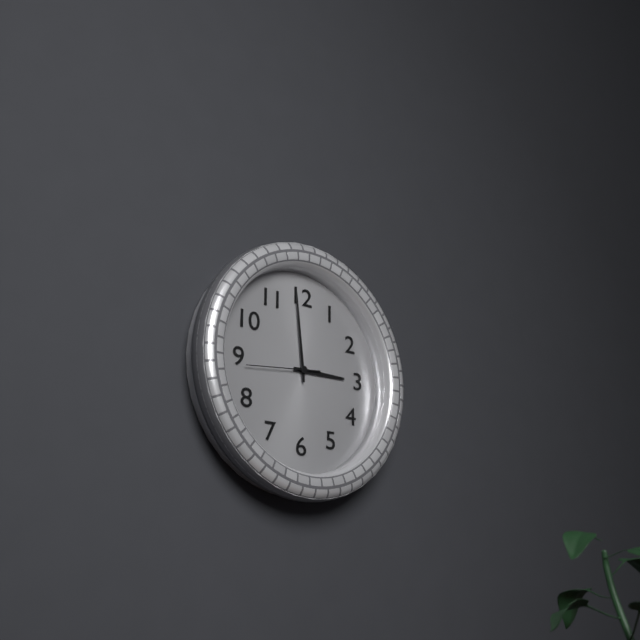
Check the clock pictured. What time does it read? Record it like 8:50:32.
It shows 2:59:44
